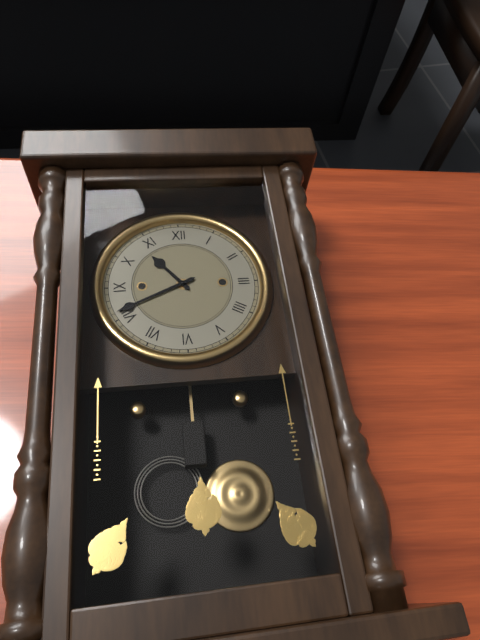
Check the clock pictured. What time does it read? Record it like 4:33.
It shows 10:41
